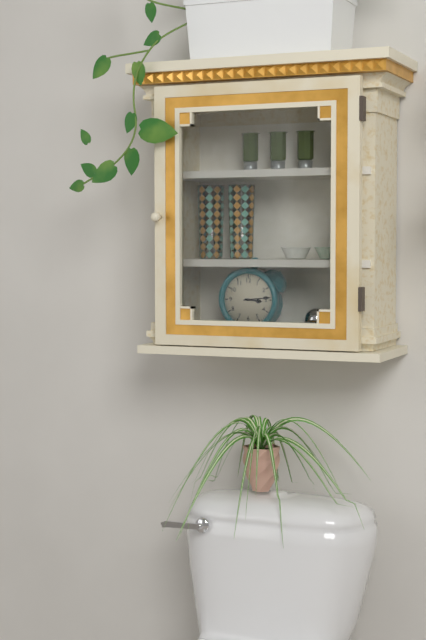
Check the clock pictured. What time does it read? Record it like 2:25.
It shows 3:14
